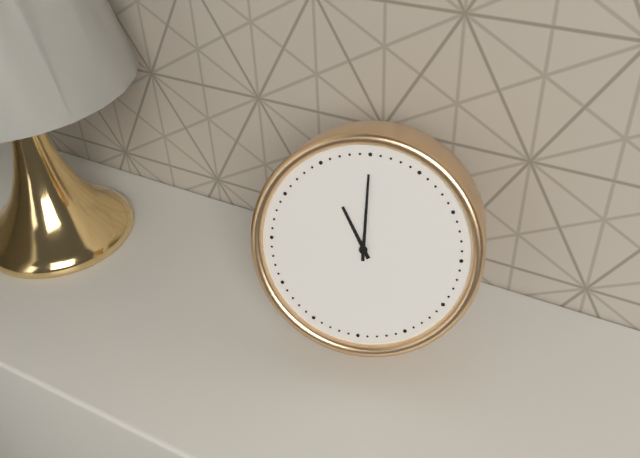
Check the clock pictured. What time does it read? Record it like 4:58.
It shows 11:00
